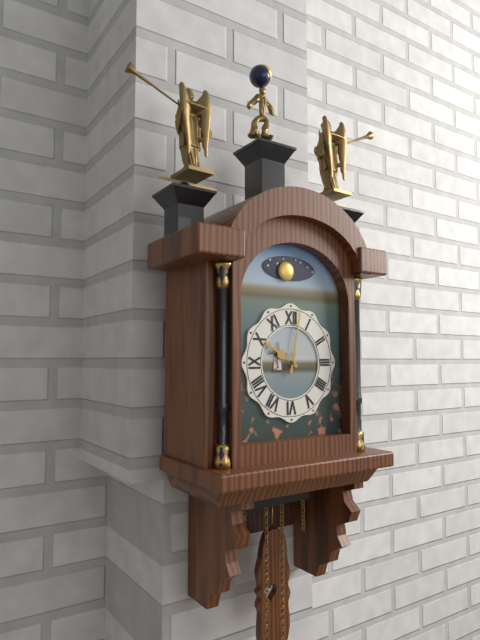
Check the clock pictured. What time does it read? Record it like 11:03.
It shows 10:02
